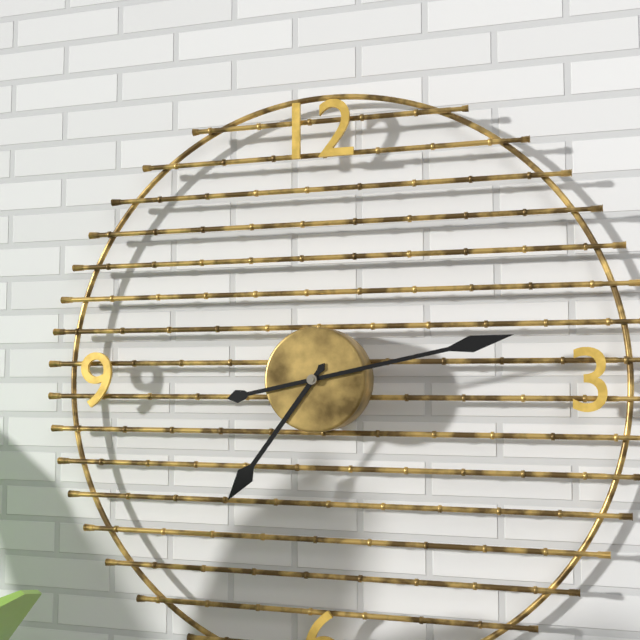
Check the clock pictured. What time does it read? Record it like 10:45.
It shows 7:13
